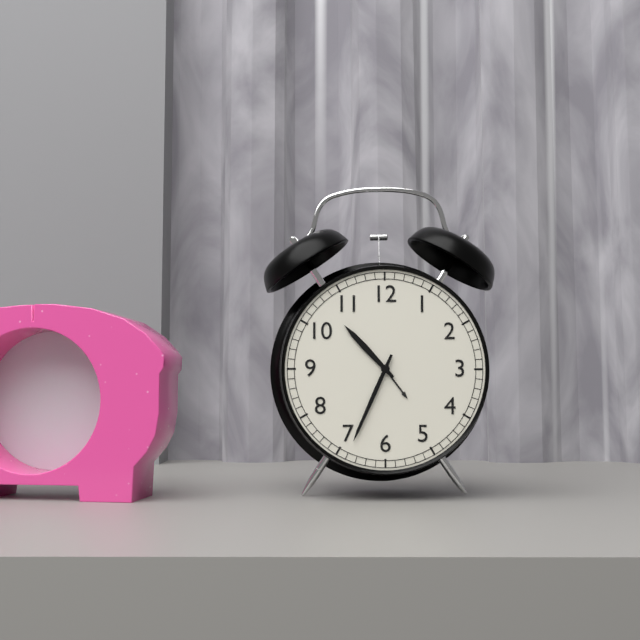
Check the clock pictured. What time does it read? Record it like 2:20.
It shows 10:34
